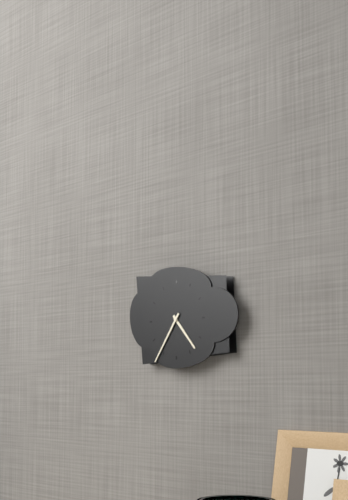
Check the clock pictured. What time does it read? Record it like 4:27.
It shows 4:36
